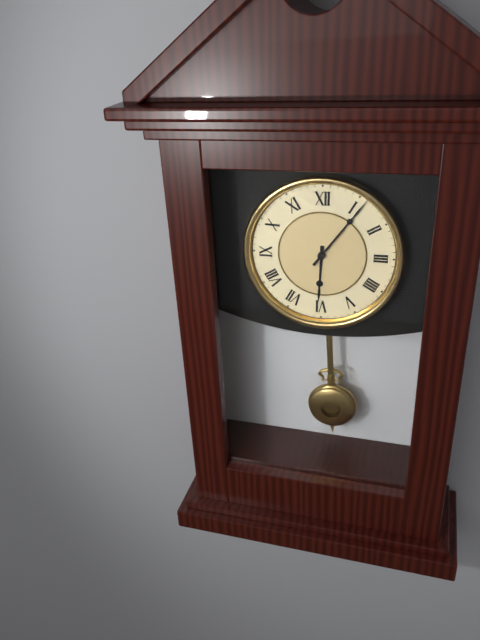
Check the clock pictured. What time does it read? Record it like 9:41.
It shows 6:06
